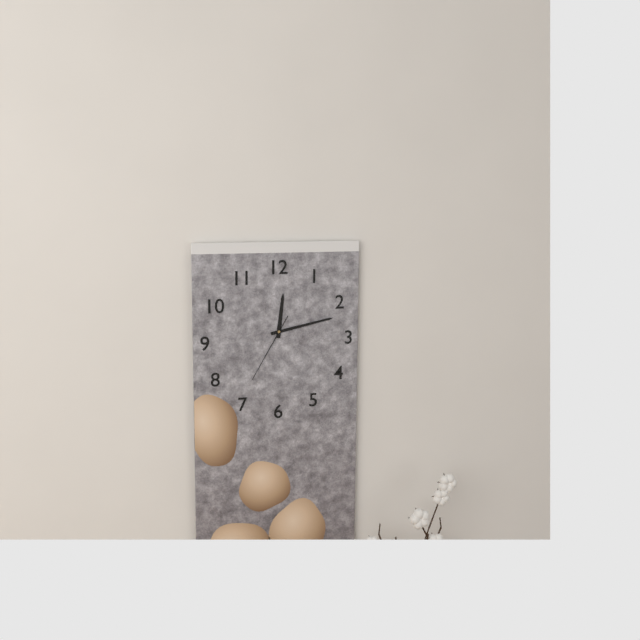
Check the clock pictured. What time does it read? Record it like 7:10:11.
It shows 12:13:35
